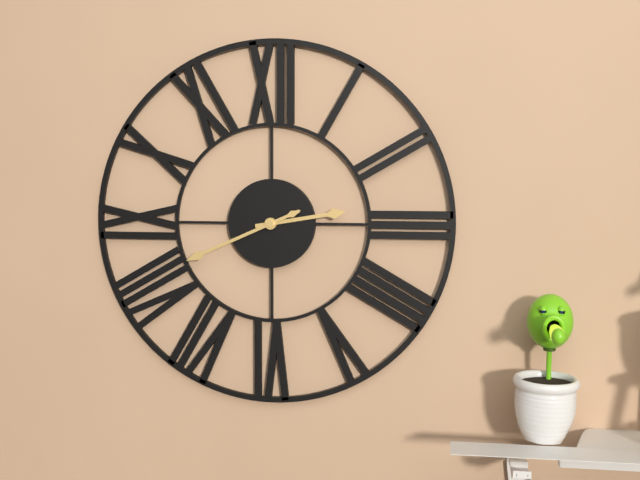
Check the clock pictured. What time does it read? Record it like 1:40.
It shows 2:41
